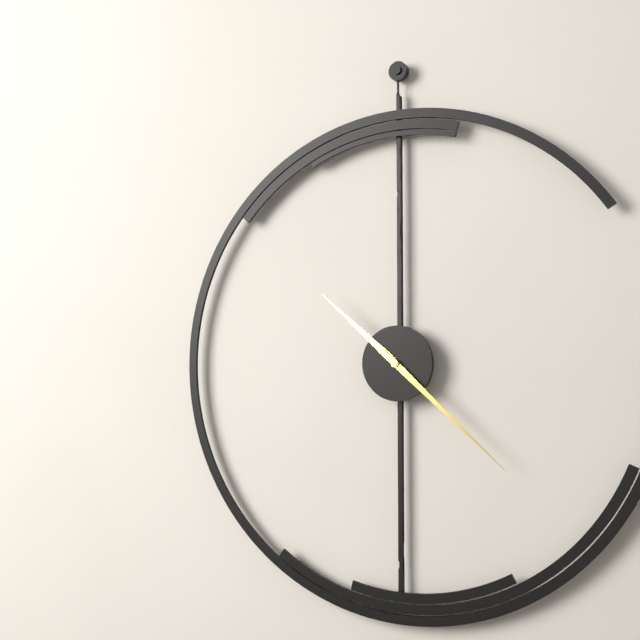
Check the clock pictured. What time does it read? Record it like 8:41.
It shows 10:22
